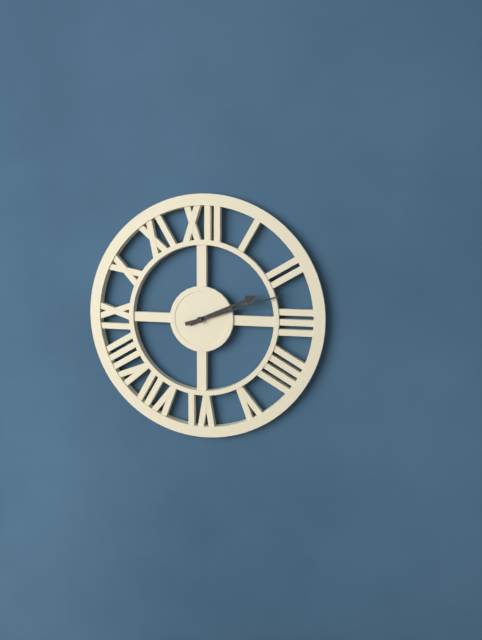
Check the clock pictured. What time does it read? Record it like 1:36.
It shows 2:12
